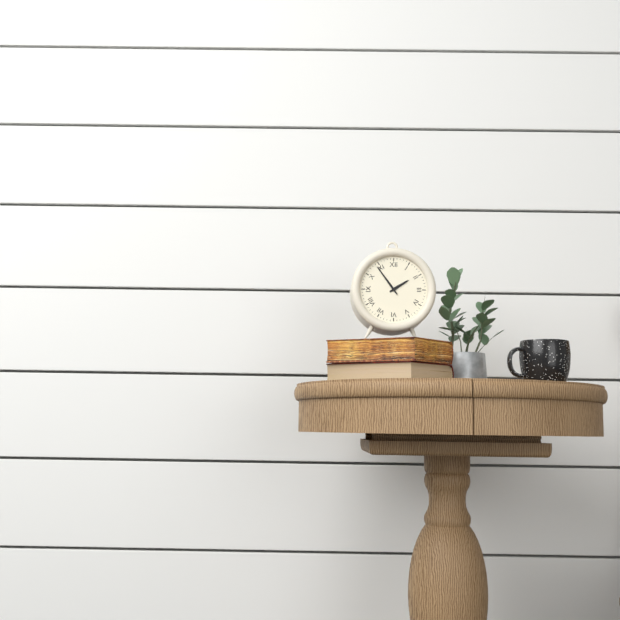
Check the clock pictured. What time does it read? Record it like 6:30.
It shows 1:54
